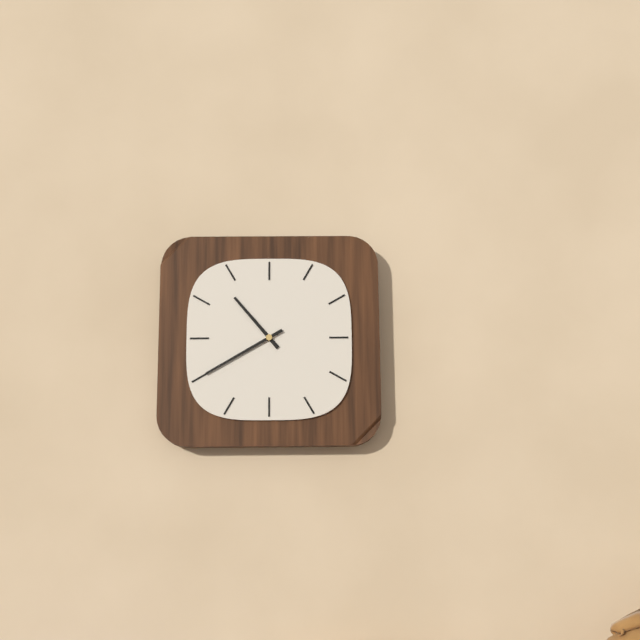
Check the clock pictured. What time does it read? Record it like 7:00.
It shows 10:40
